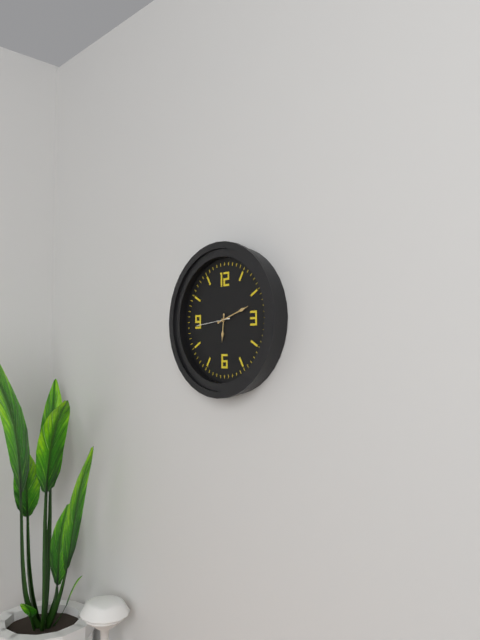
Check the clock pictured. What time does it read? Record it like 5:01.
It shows 6:12
